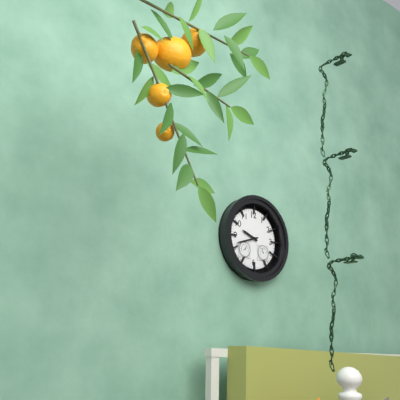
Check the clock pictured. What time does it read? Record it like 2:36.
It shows 9:42
